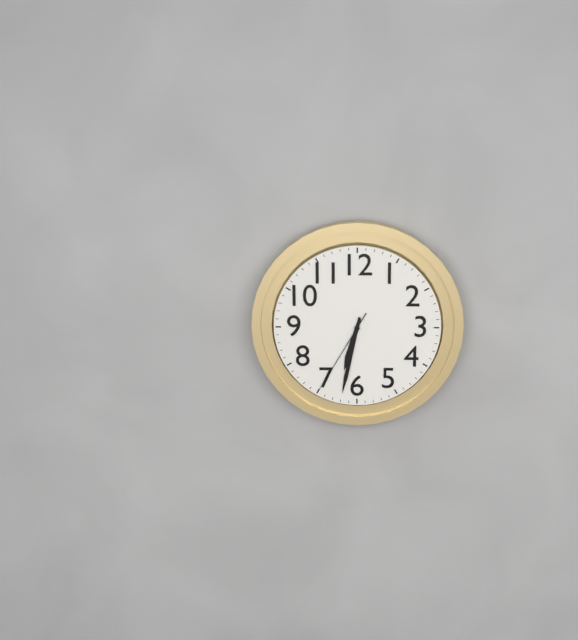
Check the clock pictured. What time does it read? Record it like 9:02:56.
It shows 6:32:35
